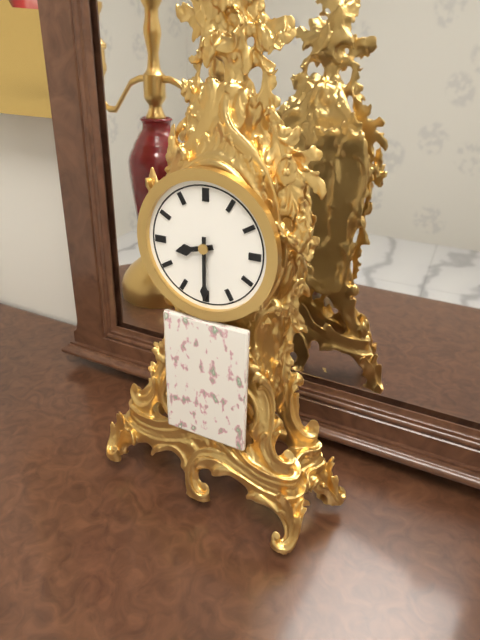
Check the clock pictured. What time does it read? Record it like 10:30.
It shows 8:30
